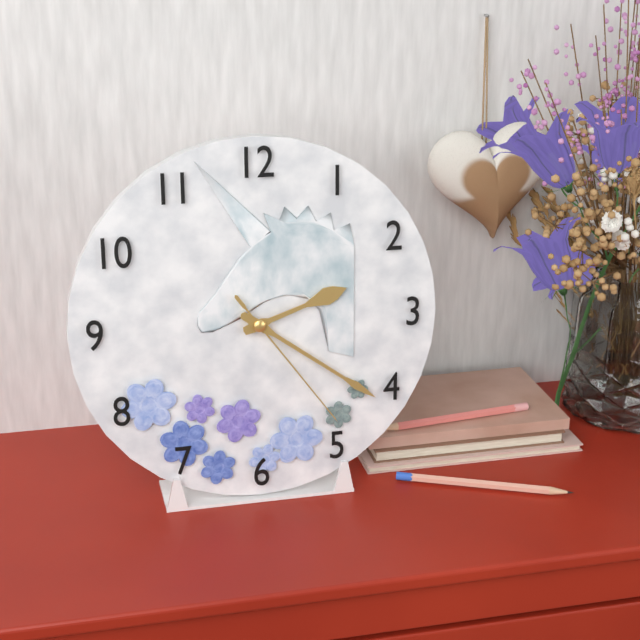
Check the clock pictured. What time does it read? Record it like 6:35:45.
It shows 2:21:24
